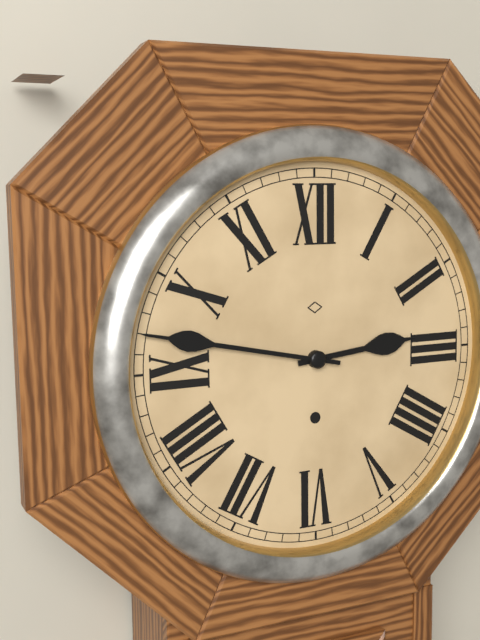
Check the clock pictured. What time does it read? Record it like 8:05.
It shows 2:47
